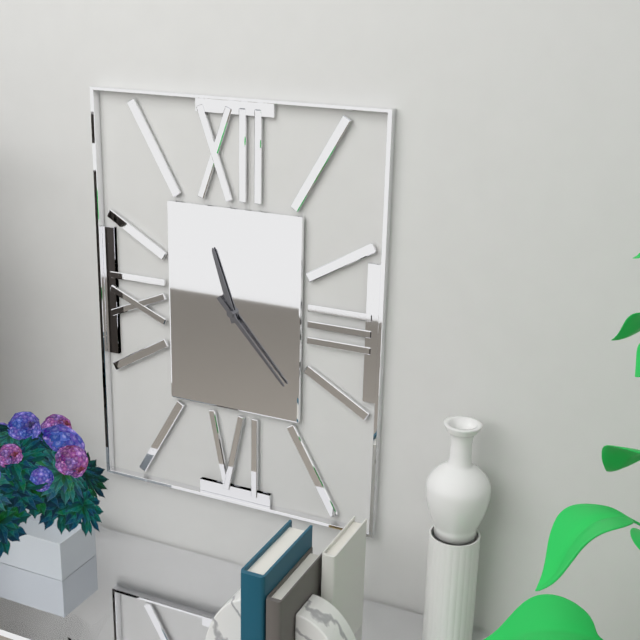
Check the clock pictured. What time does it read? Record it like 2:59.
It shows 11:23
